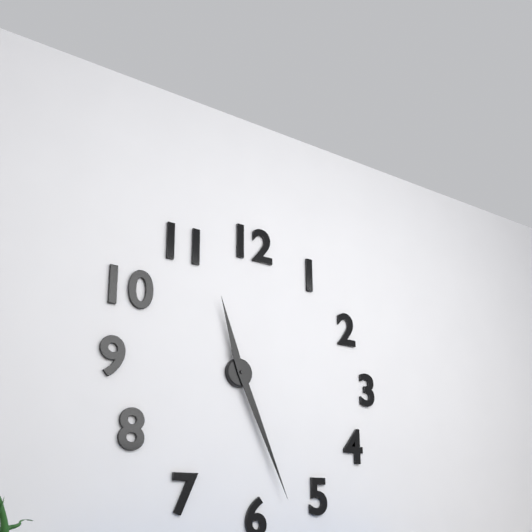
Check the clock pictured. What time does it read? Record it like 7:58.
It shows 11:26
